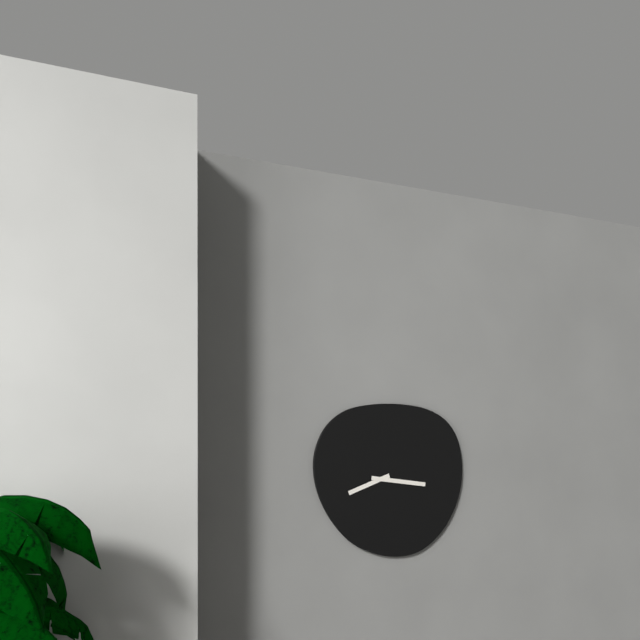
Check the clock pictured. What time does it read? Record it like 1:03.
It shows 8:16
